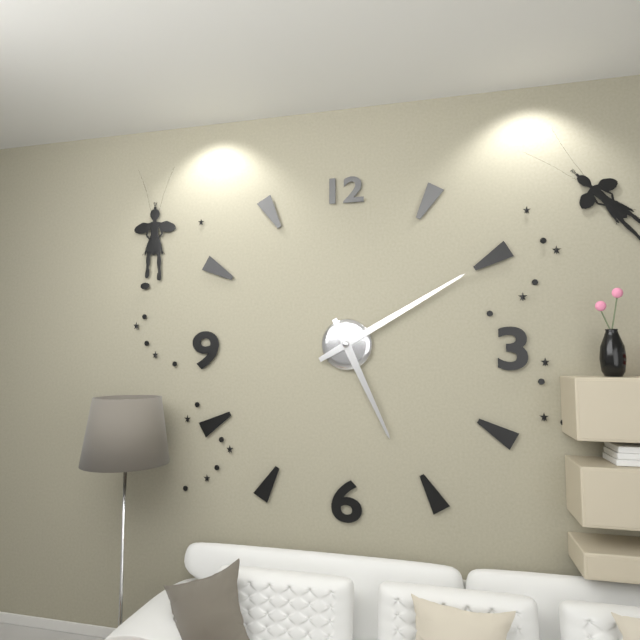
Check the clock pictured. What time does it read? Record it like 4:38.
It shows 5:10
